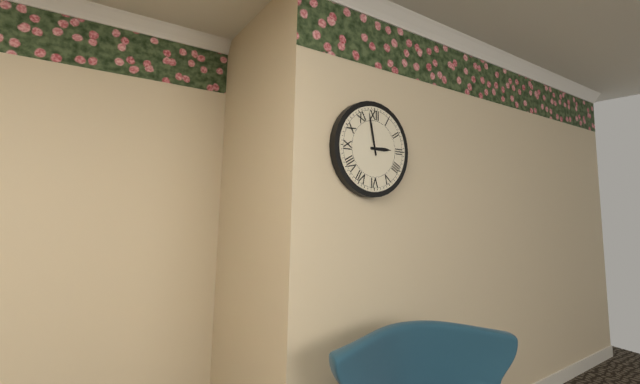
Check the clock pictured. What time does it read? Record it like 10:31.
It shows 2:58
